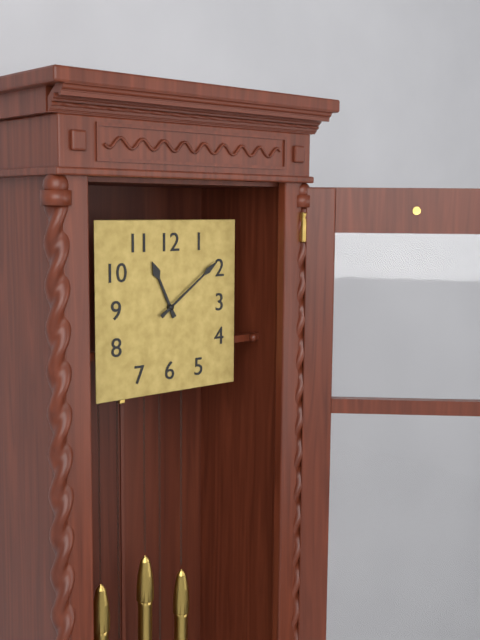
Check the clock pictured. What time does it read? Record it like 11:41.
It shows 11:09
